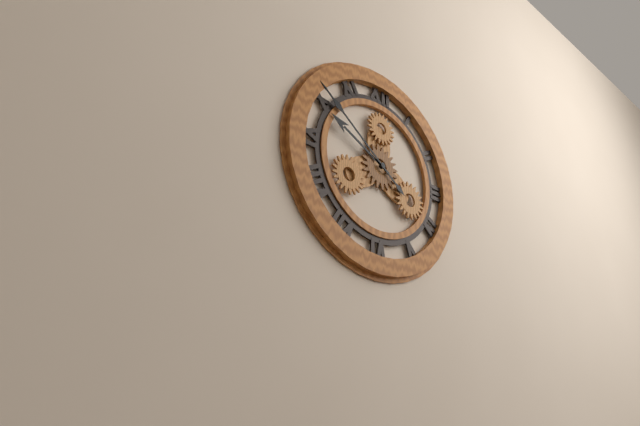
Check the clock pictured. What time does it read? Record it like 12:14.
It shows 9:51
